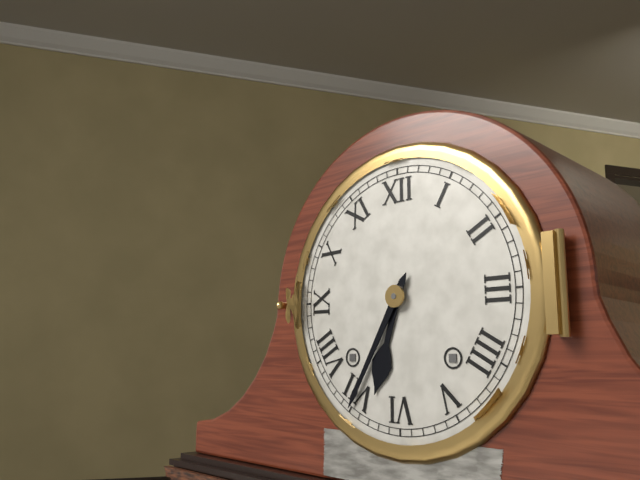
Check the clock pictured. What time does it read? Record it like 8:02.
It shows 6:35
